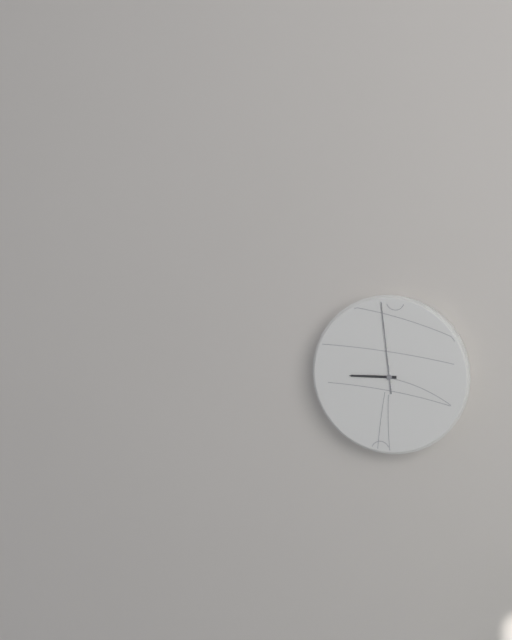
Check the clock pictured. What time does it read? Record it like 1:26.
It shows 8:59
